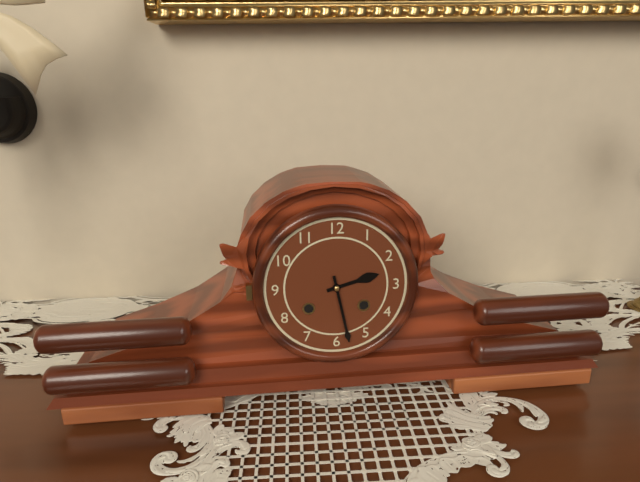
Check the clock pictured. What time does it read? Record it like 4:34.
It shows 2:28
